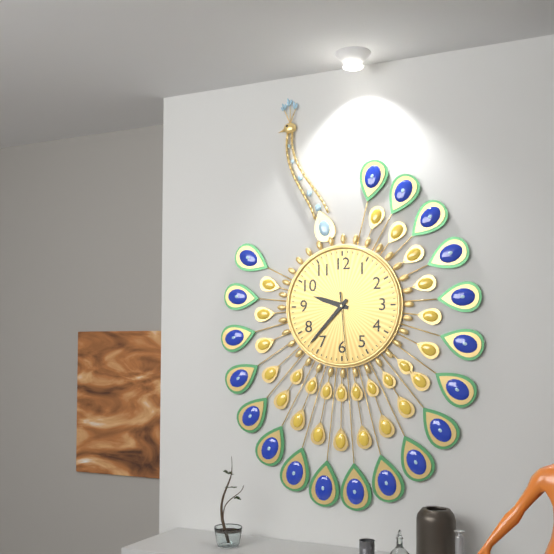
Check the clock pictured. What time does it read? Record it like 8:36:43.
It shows 9:37:29
